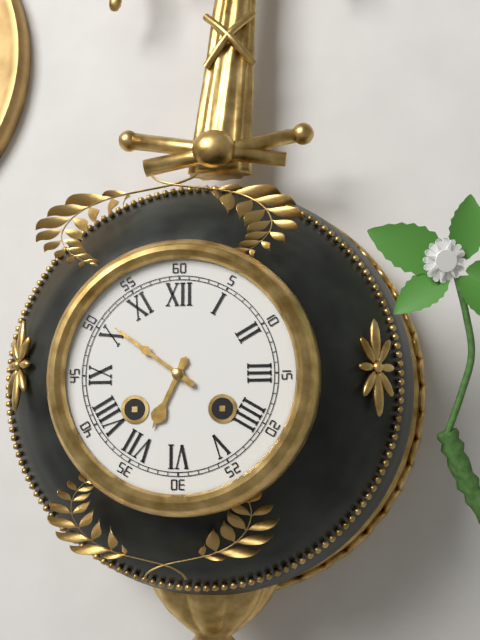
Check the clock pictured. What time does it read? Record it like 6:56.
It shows 6:51
